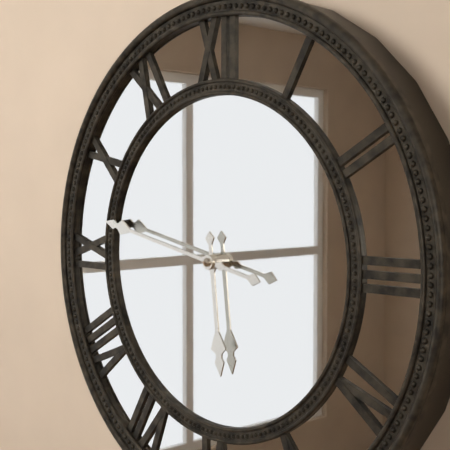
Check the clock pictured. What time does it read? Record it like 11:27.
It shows 5:47
